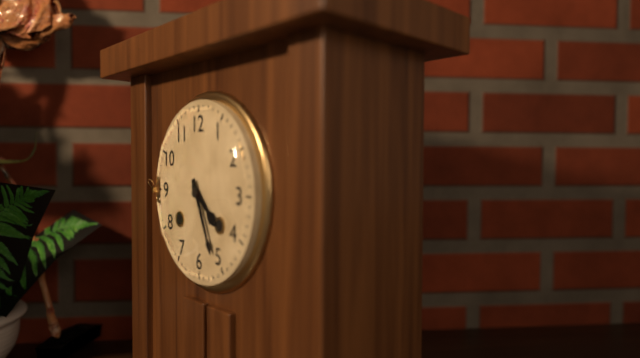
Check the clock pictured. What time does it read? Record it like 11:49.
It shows 4:26
